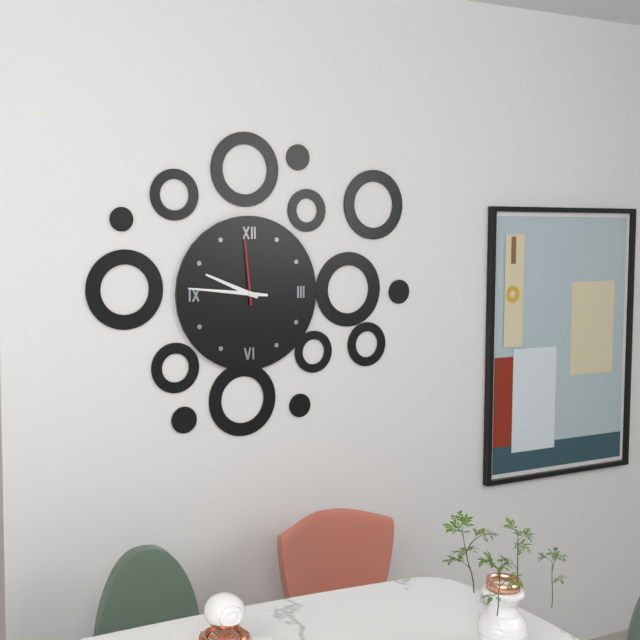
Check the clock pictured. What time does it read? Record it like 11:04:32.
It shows 9:46:59
